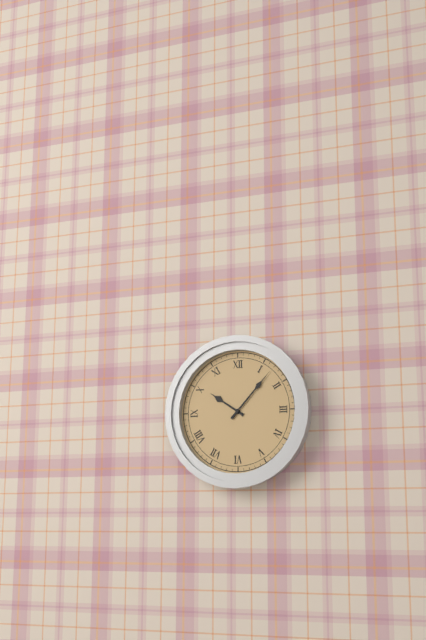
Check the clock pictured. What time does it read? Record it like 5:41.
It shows 10:07
